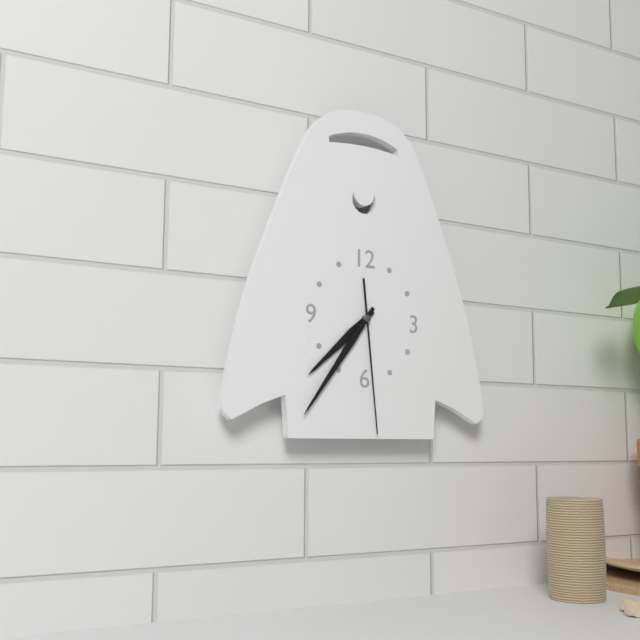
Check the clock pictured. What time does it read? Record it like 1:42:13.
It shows 7:36:29
